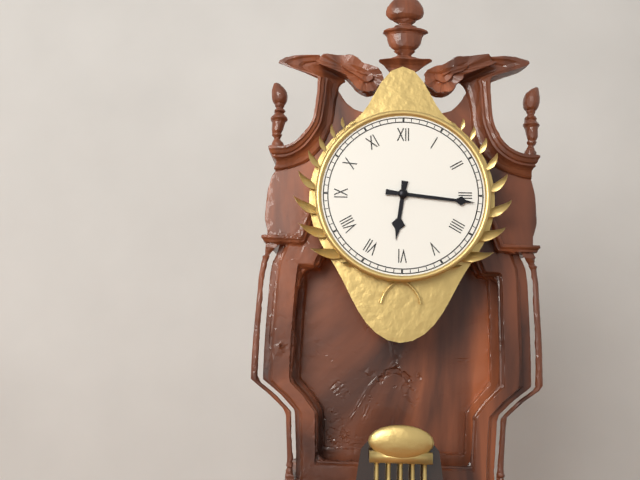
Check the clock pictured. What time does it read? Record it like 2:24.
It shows 6:16
